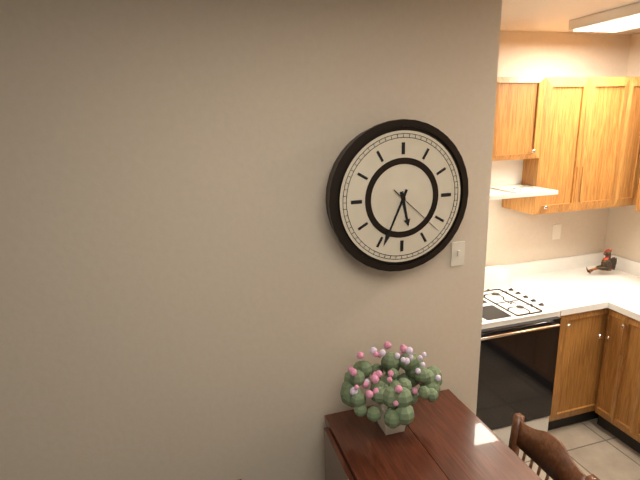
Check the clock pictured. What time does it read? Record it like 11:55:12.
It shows 5:34:22
